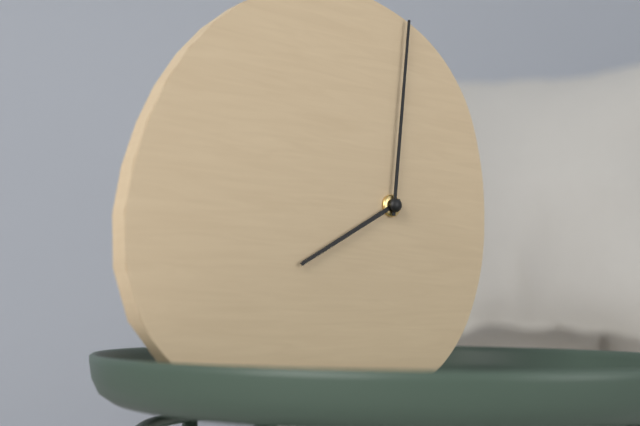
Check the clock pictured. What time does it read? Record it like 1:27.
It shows 8:01
